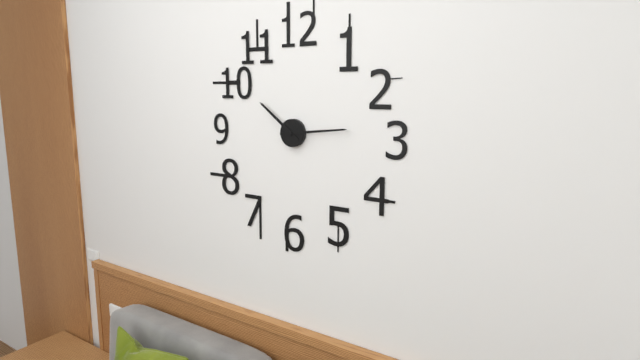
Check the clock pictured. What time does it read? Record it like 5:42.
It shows 10:14
